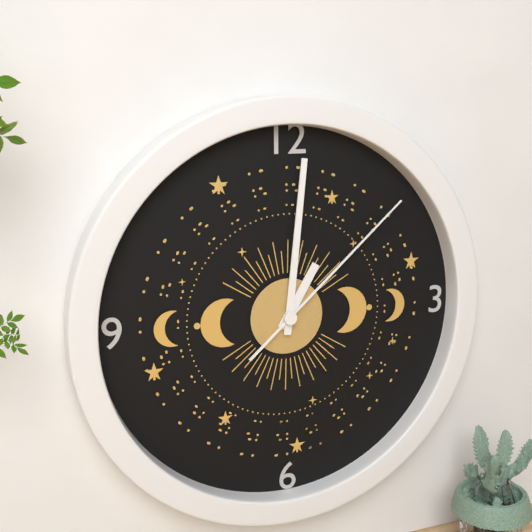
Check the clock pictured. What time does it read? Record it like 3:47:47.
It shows 1:01:08
